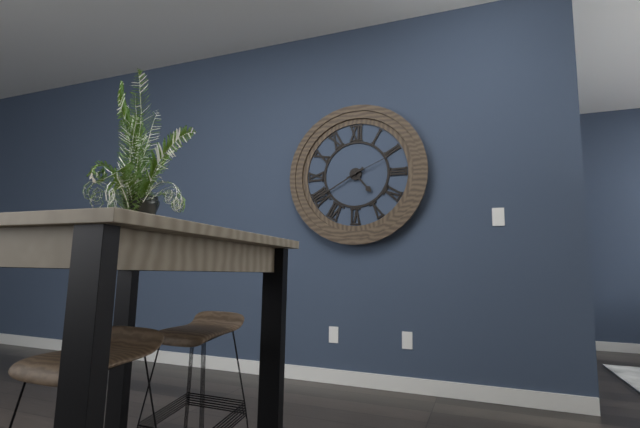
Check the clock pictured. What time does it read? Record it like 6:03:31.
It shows 4:40:11
